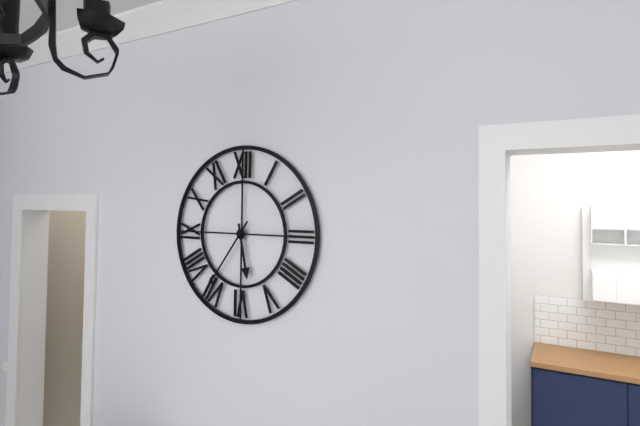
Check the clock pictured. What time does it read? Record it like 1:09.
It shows 5:36
